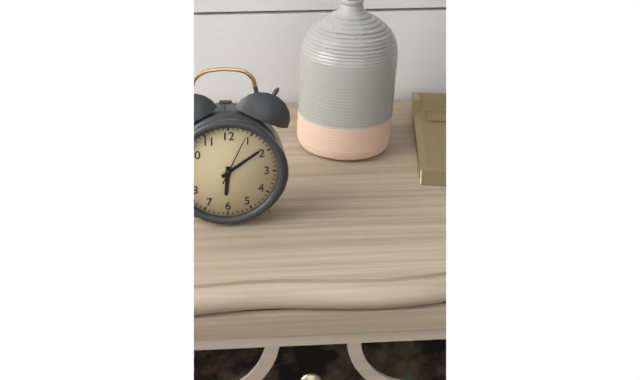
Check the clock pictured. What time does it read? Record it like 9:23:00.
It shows 6:09:04
